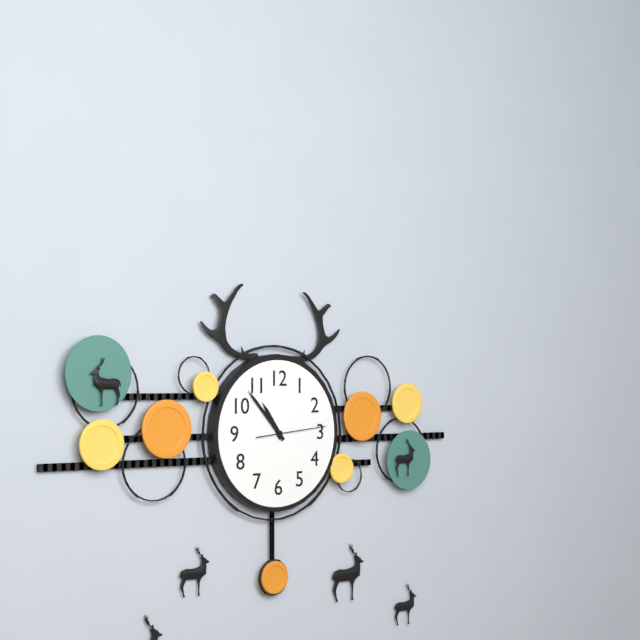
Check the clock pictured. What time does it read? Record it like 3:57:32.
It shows 10:53:14
